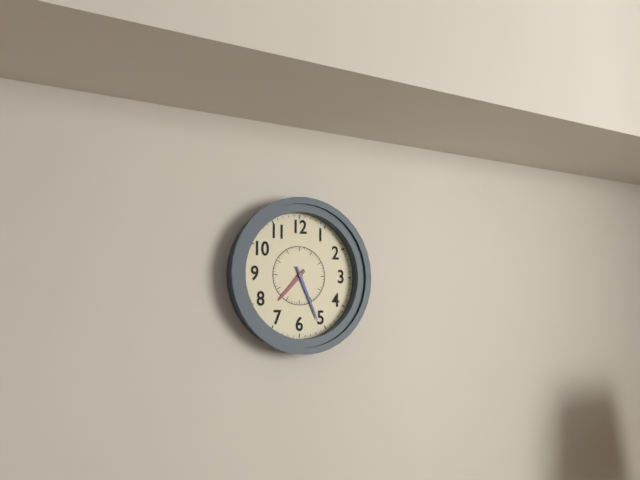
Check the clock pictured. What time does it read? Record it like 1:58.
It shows 7:26
